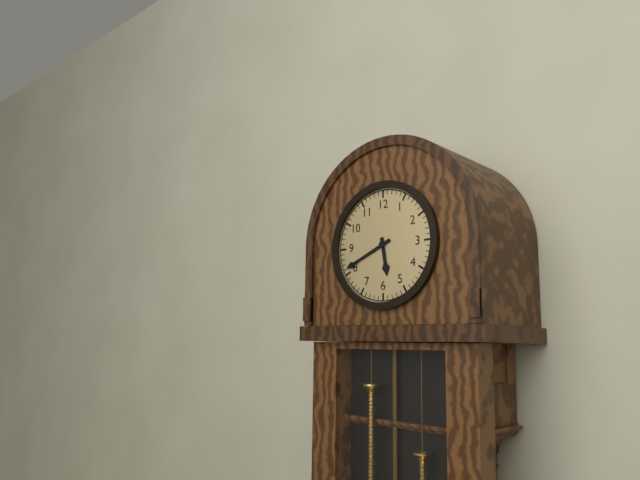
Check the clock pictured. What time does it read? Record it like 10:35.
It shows 5:41
